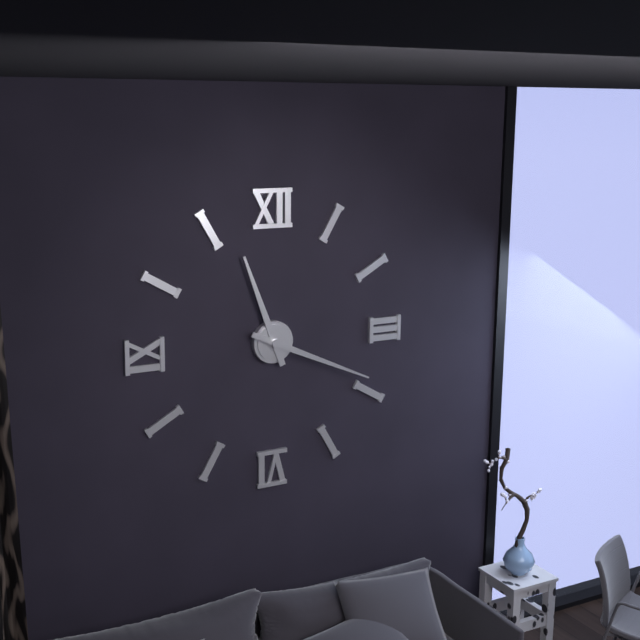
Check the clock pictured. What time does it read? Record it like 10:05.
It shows 11:19
